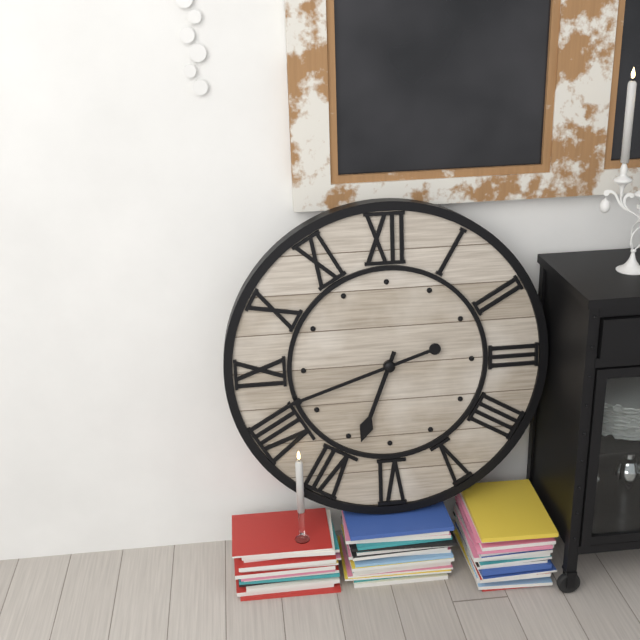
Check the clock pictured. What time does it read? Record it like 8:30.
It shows 6:42
